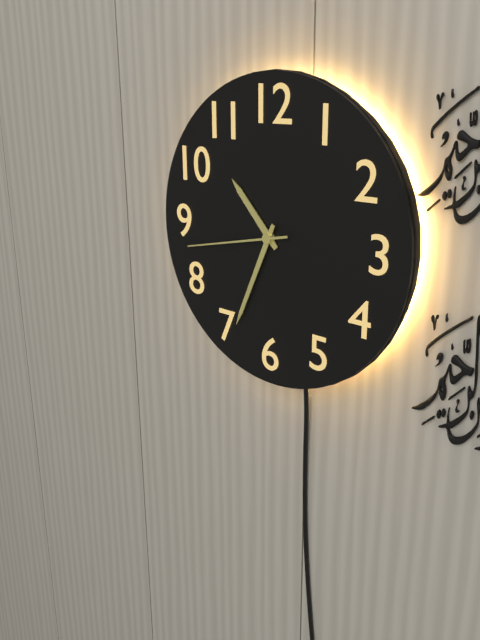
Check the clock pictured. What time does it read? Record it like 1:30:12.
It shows 10:34:43
